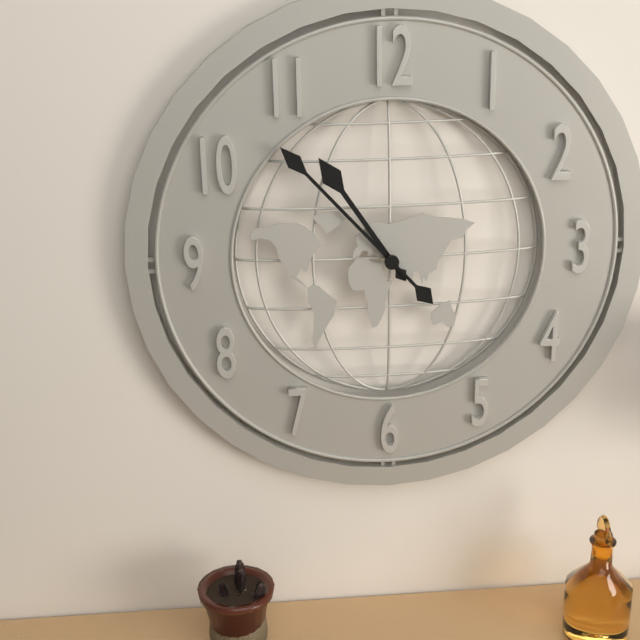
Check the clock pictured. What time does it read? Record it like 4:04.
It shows 10:53
